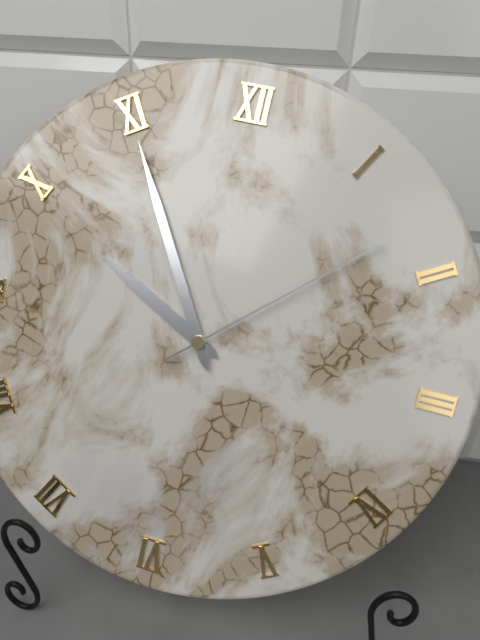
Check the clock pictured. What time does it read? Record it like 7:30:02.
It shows 9:55:08
